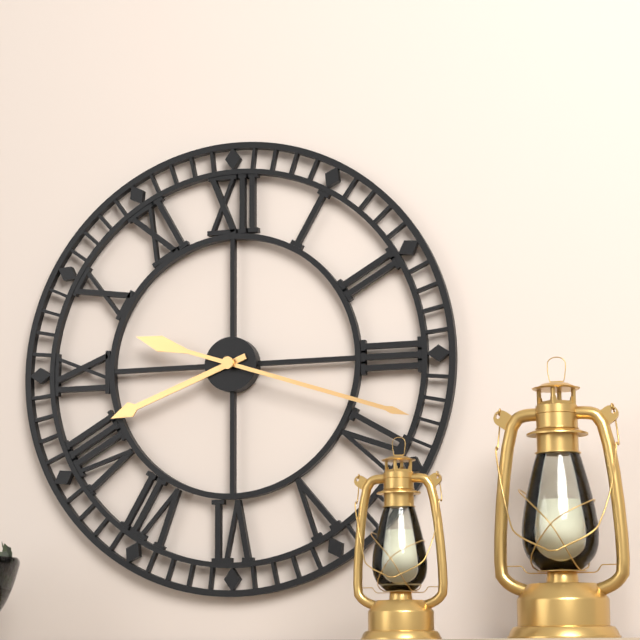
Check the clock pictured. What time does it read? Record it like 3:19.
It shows 8:18
